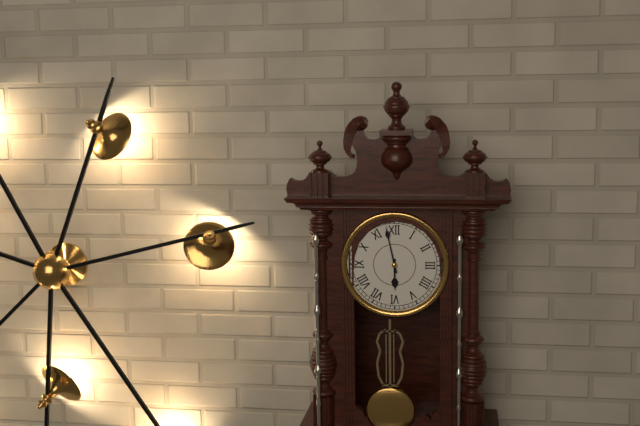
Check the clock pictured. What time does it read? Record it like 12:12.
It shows 5:58
